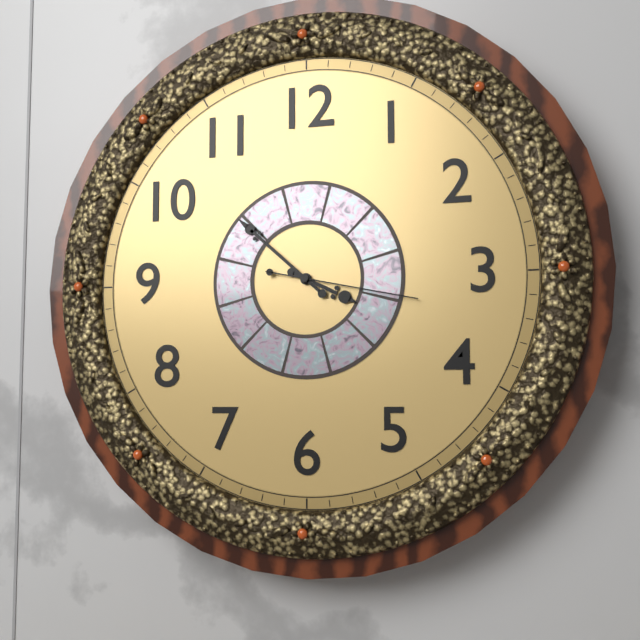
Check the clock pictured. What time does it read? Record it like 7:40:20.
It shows 3:52:17
